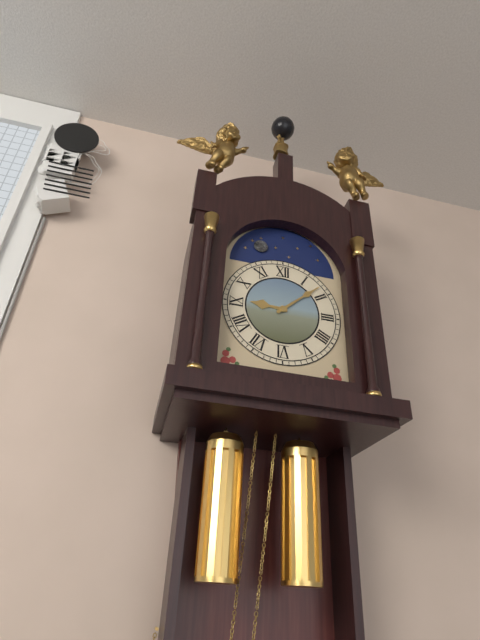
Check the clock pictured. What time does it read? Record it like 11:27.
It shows 9:08
